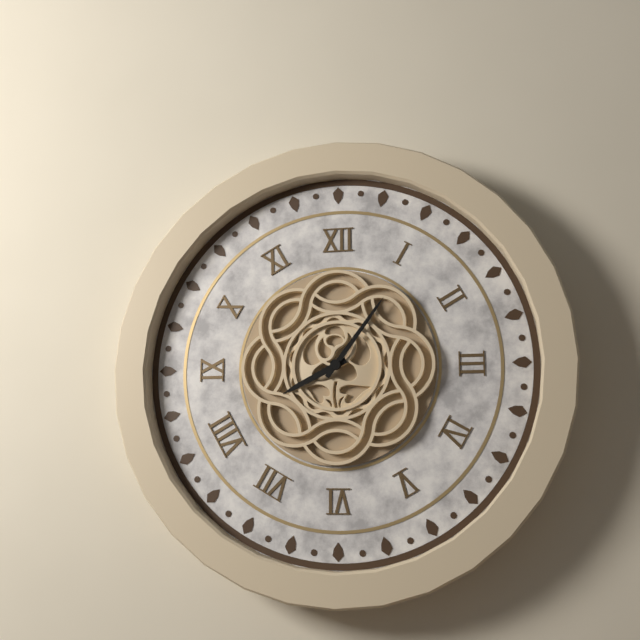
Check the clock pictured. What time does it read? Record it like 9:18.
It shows 8:06
